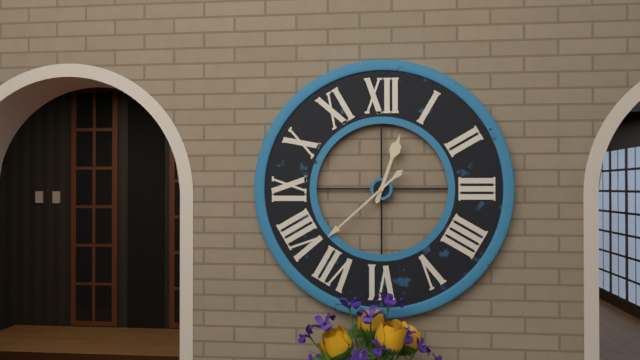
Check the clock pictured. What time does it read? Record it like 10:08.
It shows 12:38
